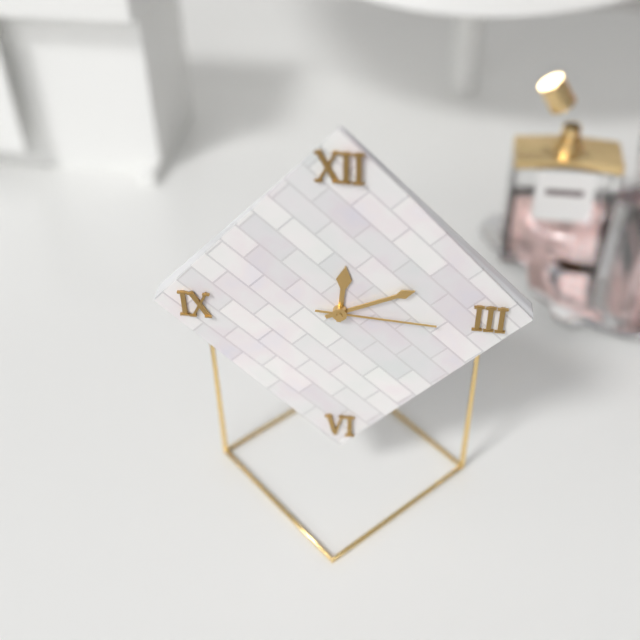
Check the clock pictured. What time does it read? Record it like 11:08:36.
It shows 12:11:16
